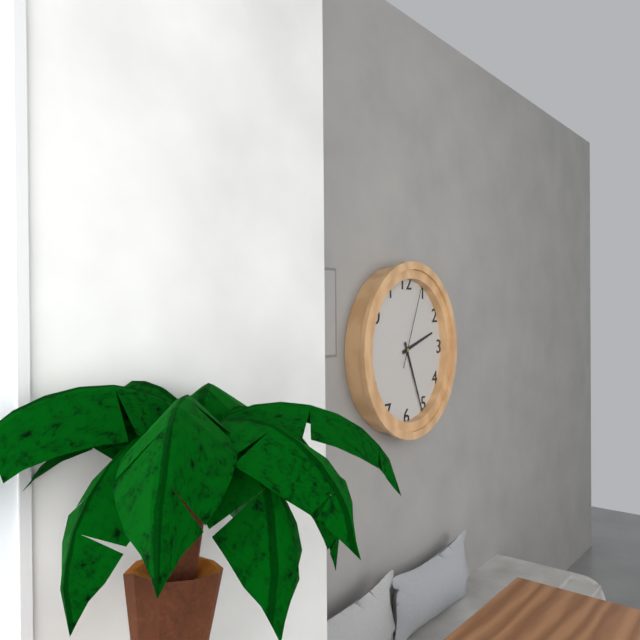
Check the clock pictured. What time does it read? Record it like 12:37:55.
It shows 2:26:04
